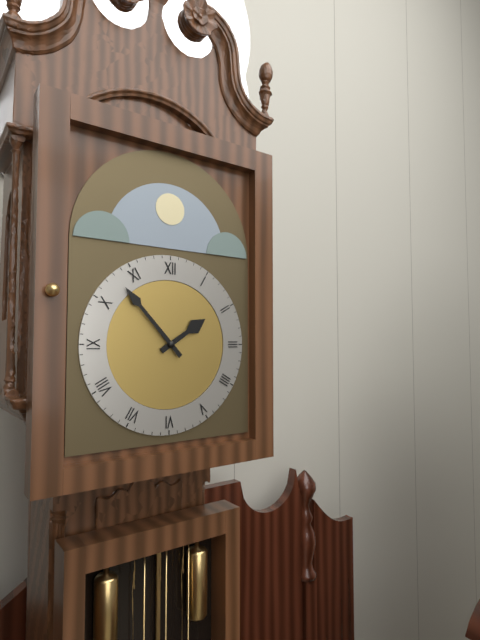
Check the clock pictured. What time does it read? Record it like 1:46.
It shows 1:53
